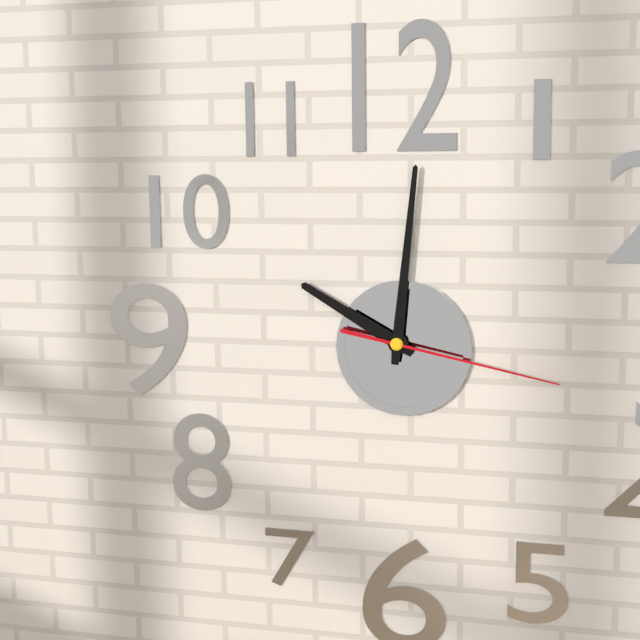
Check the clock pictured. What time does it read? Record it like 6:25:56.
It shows 10:01:17
